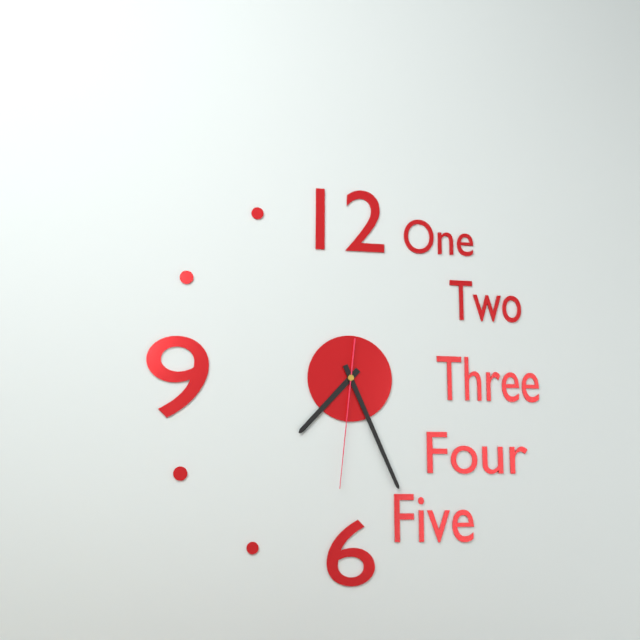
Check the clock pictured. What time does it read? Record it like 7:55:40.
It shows 7:26:31
